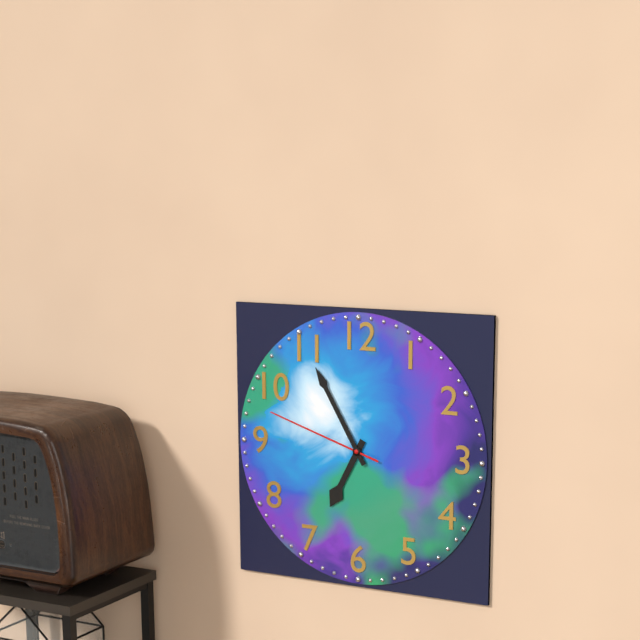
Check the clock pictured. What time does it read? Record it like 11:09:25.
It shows 6:55:48
